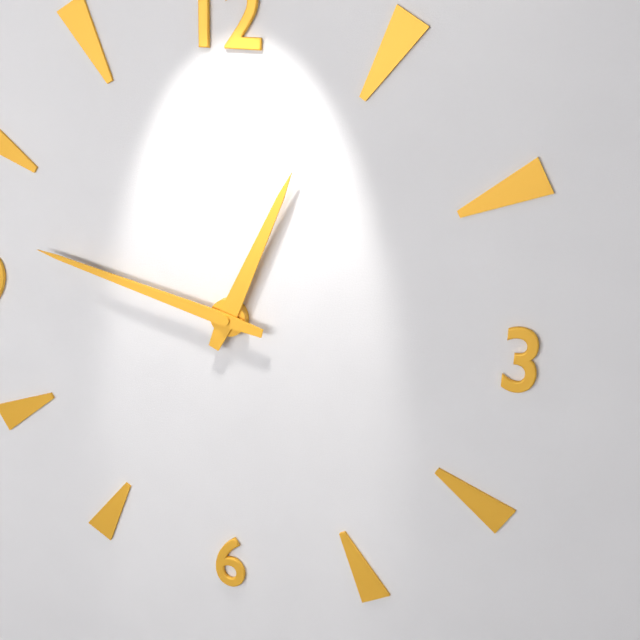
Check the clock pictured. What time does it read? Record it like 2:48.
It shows 12:47
